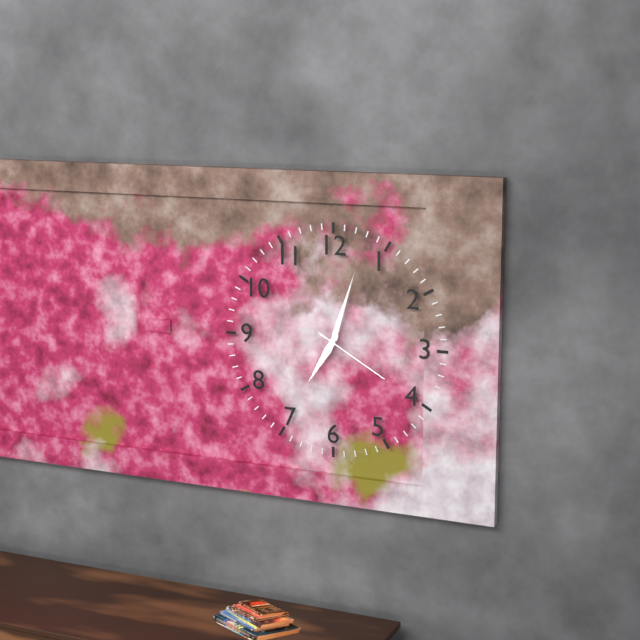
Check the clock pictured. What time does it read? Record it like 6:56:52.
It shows 7:03:20
